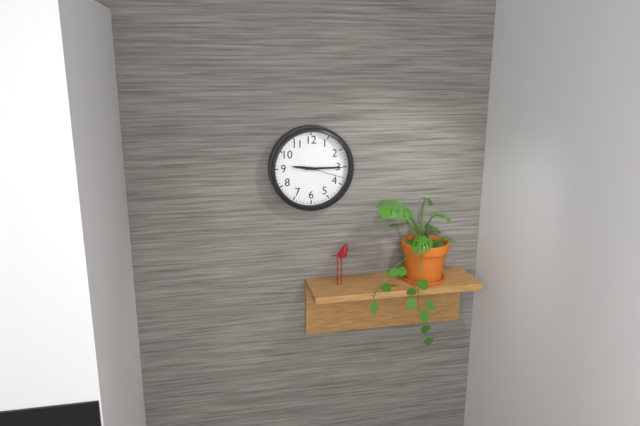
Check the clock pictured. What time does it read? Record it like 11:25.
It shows 9:15
